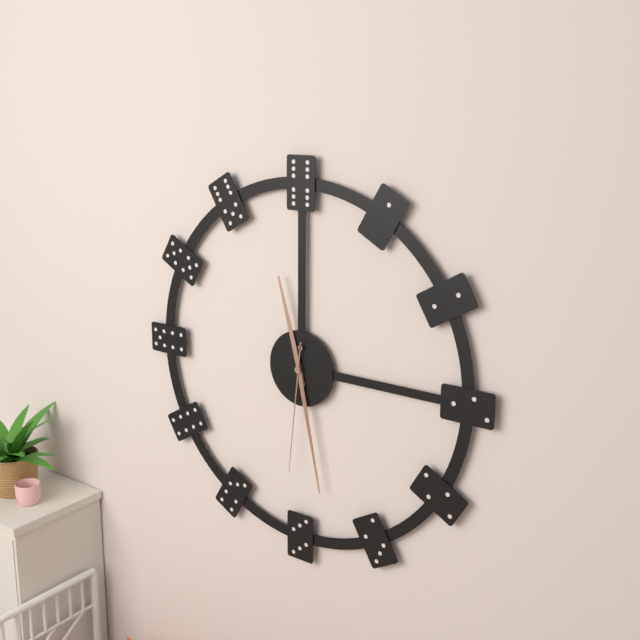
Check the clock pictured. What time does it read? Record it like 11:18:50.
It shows 11:28:31
